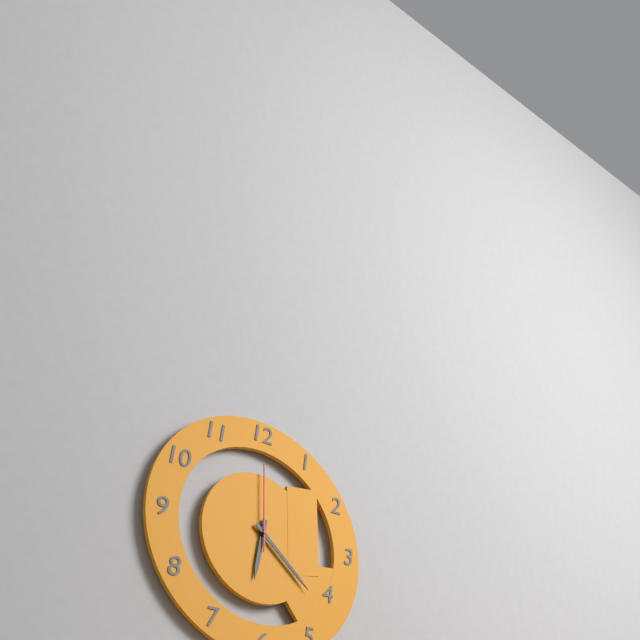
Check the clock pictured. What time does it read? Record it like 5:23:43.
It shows 6:22:00
